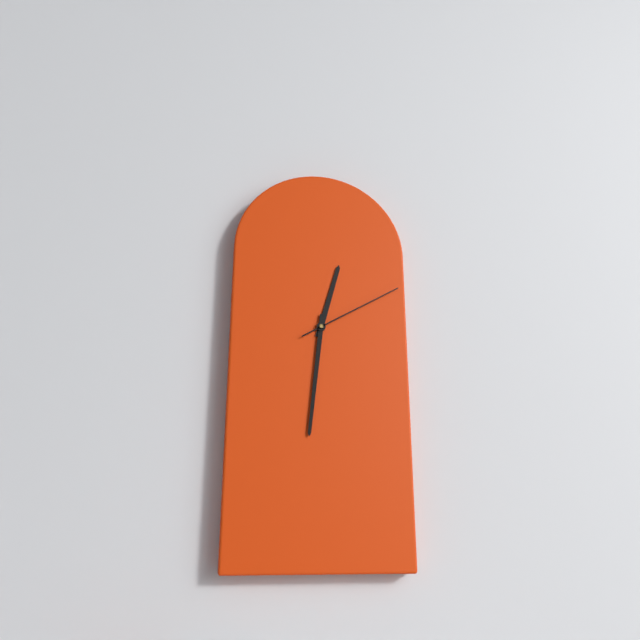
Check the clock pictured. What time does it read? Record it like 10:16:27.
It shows 12:31:10
